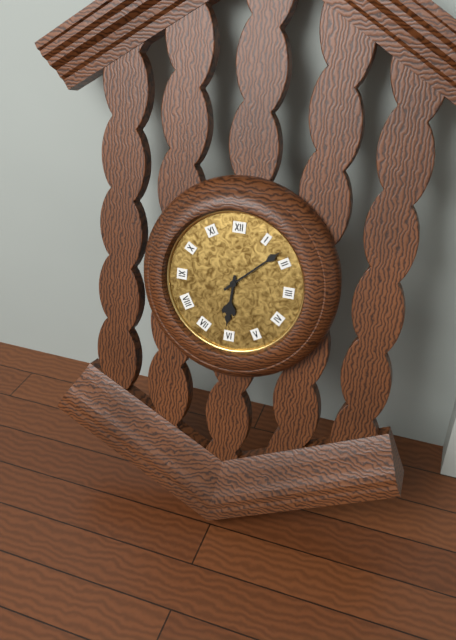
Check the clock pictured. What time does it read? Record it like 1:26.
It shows 6:08
